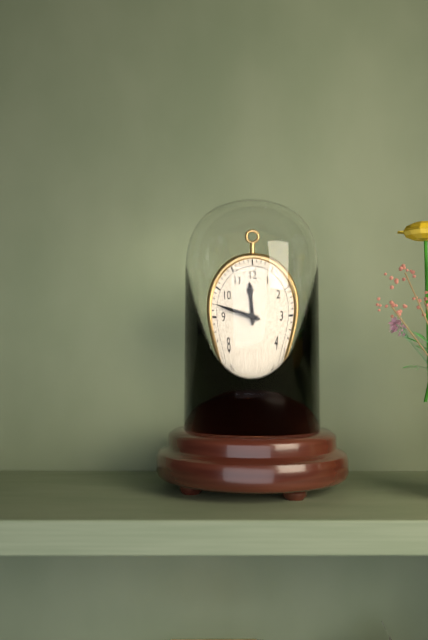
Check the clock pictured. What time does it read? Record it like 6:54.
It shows 11:47
